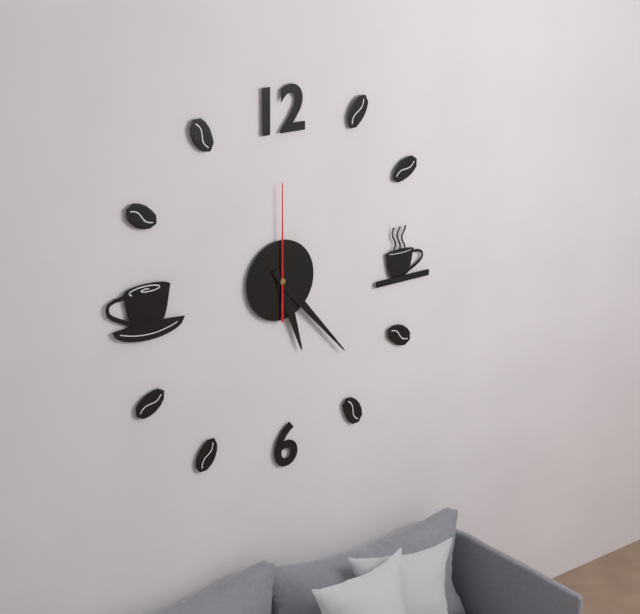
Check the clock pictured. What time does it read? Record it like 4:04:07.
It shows 5:23:00
